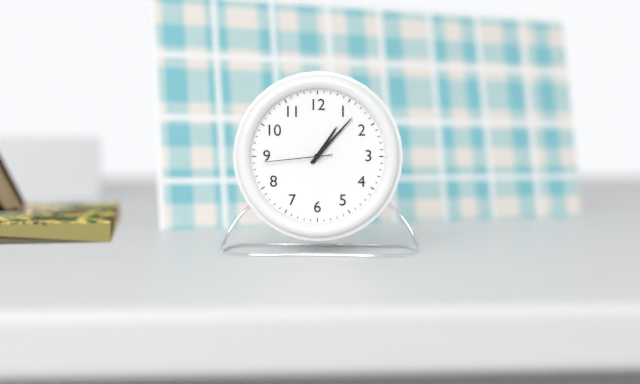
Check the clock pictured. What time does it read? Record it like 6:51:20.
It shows 1:07:44
